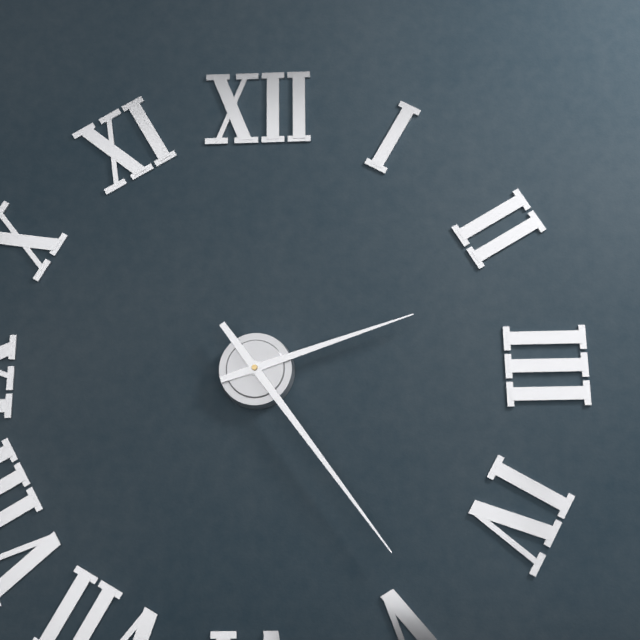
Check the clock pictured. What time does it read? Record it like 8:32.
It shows 2:24
